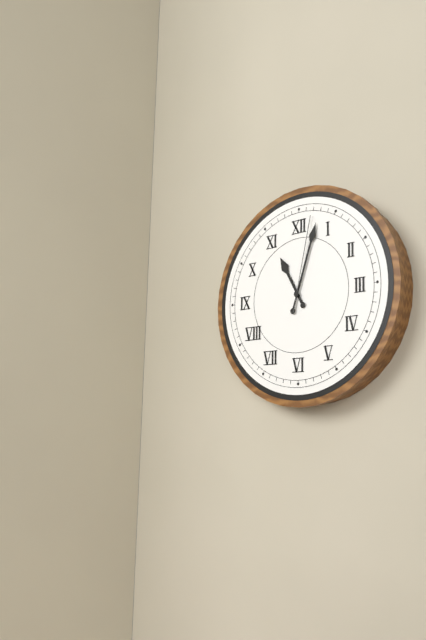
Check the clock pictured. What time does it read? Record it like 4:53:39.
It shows 11:03:02
